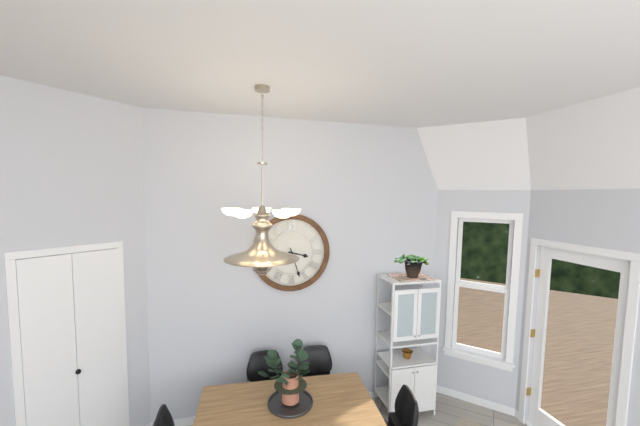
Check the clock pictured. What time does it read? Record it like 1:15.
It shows 3:27
